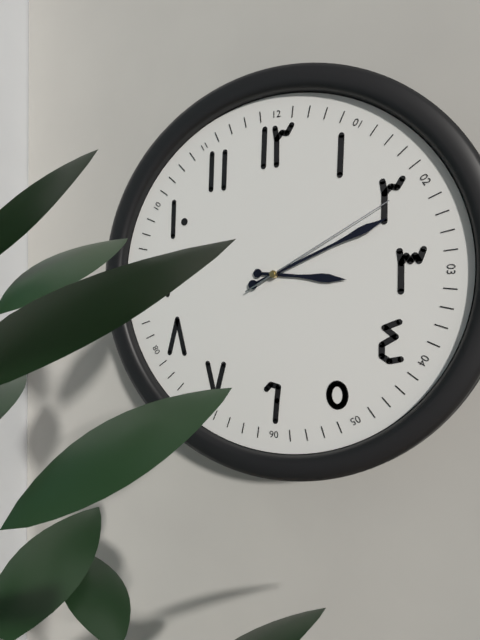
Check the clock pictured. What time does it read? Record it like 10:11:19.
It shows 3:11:10
